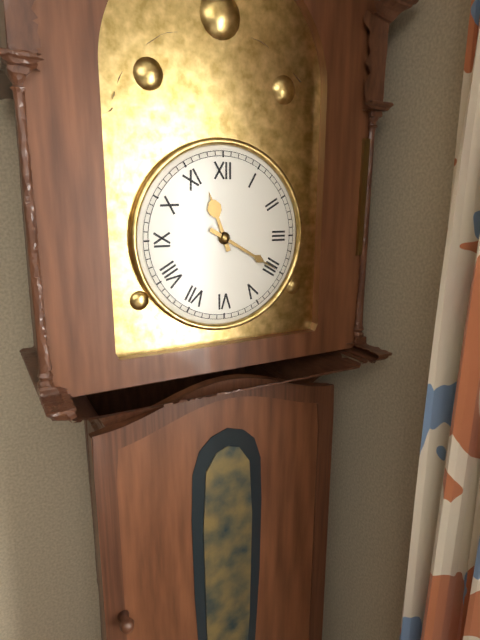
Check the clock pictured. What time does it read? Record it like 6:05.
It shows 11:20
